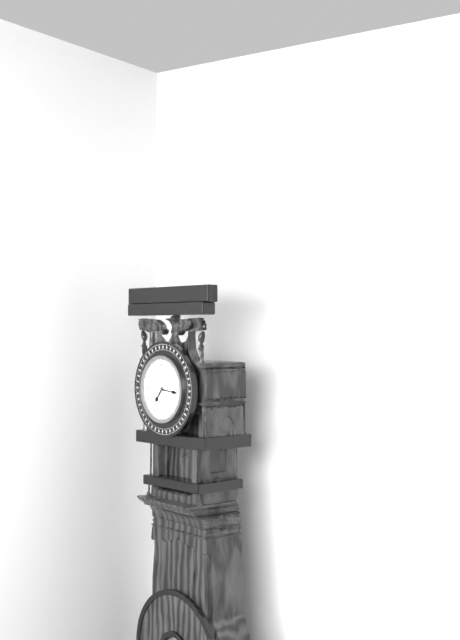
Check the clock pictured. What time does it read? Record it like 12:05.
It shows 7:16
